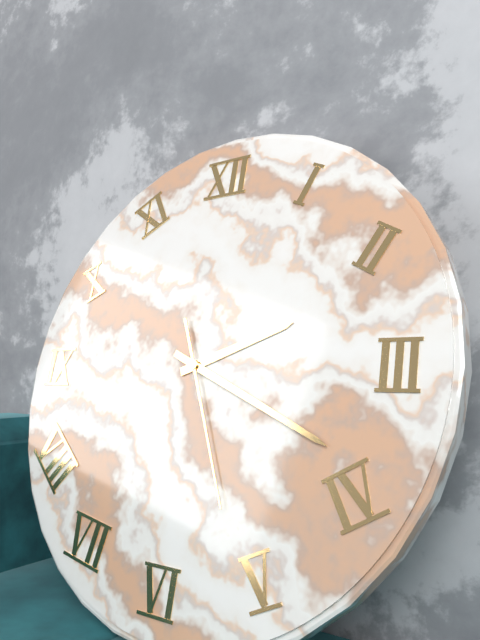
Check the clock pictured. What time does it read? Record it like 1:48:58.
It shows 2:19:26
